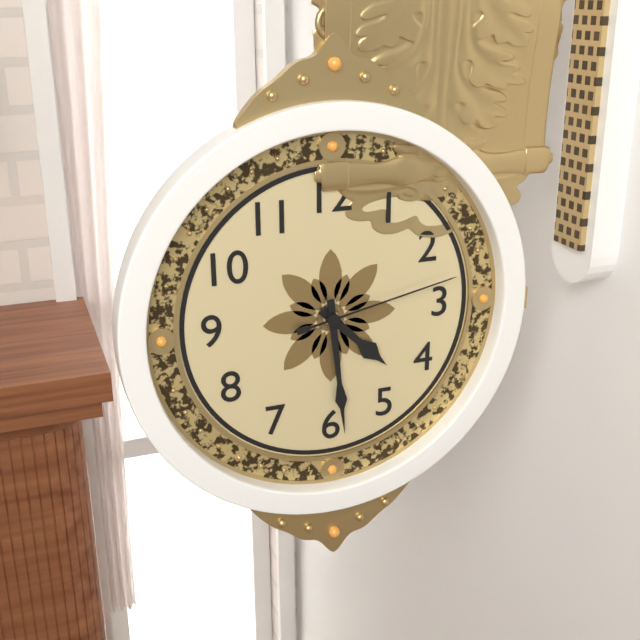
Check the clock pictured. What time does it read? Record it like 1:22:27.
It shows 4:29:13
